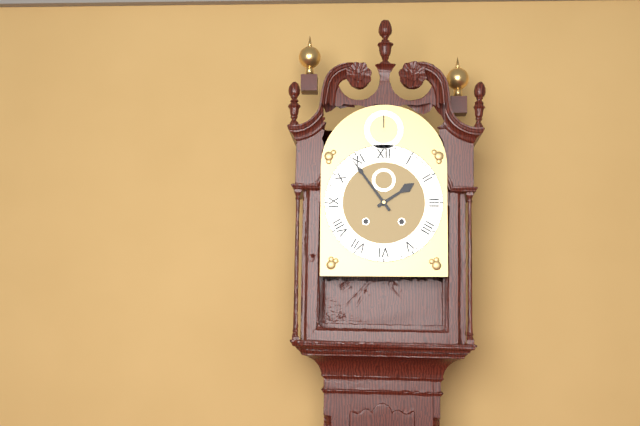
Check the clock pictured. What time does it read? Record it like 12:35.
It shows 1:54
